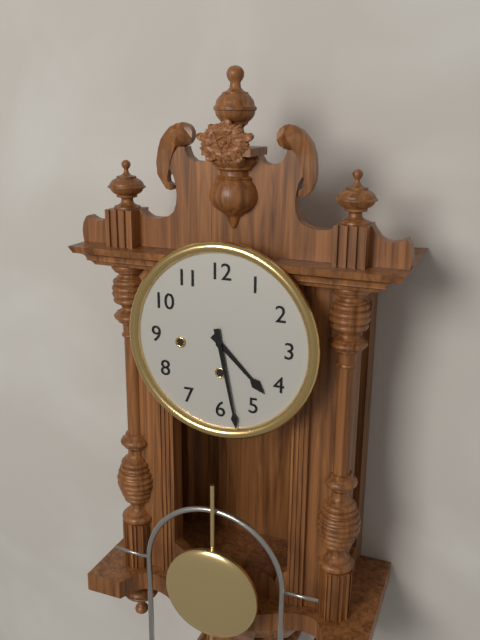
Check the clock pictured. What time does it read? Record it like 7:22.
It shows 4:28
